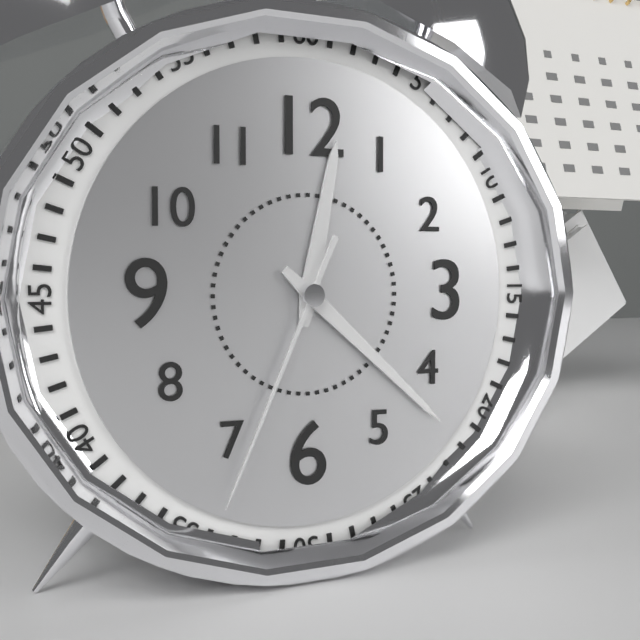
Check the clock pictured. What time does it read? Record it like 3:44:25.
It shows 12:22:34
